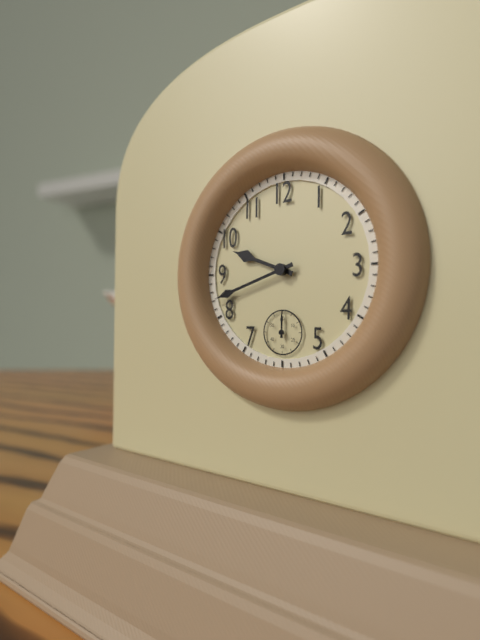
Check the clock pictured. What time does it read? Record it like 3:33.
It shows 9:42
